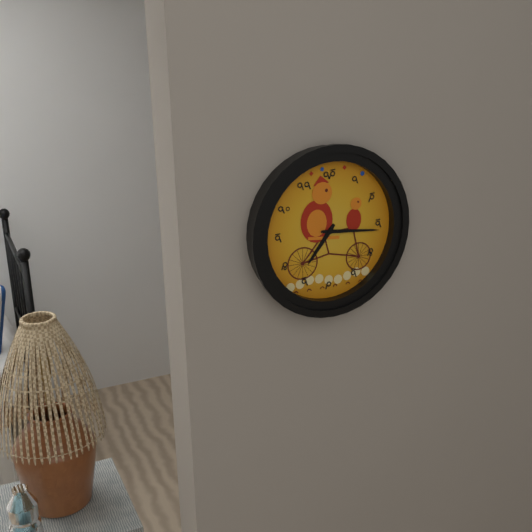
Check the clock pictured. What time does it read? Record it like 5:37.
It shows 7:16
